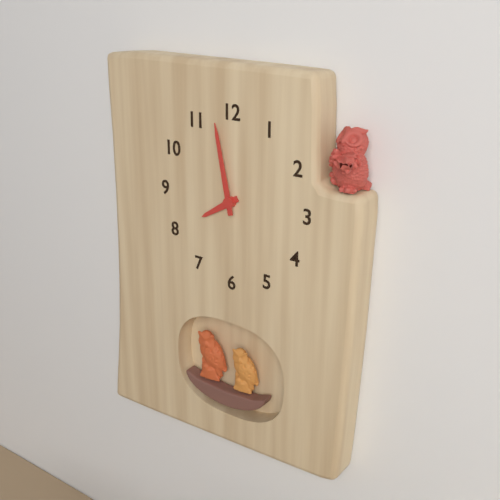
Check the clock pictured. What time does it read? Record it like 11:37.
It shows 7:58
